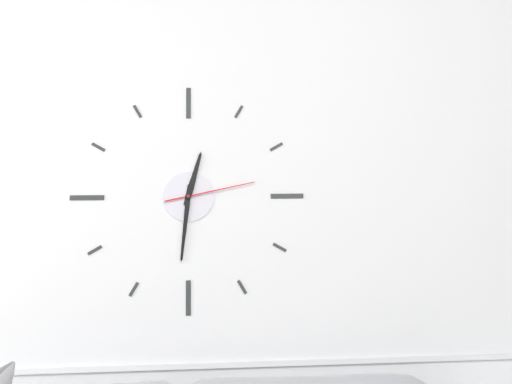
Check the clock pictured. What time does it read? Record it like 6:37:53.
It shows 12:31:13
